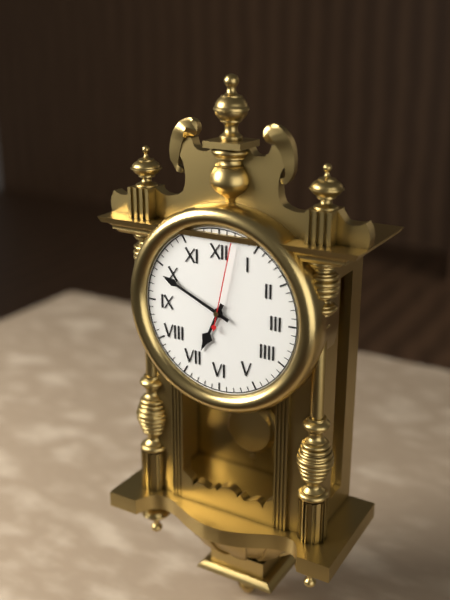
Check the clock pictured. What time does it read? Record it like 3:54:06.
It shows 6:49:02
